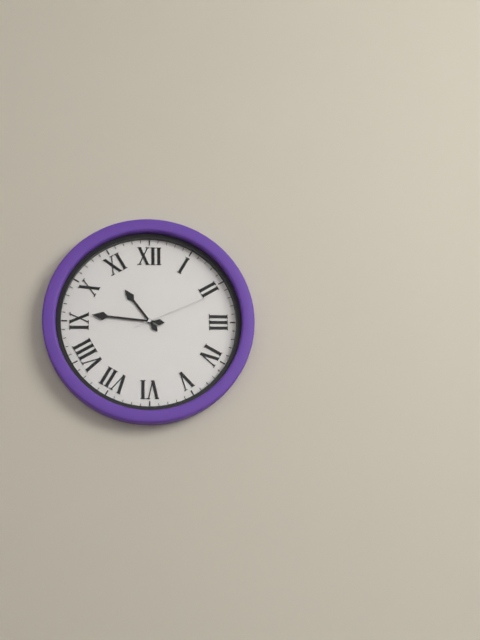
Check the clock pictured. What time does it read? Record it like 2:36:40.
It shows 10:46:11
